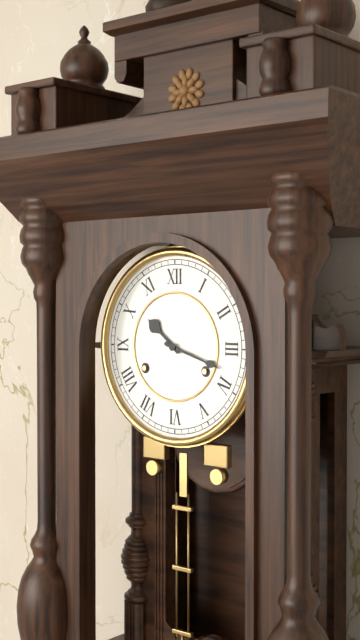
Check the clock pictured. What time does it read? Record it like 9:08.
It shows 10:18
